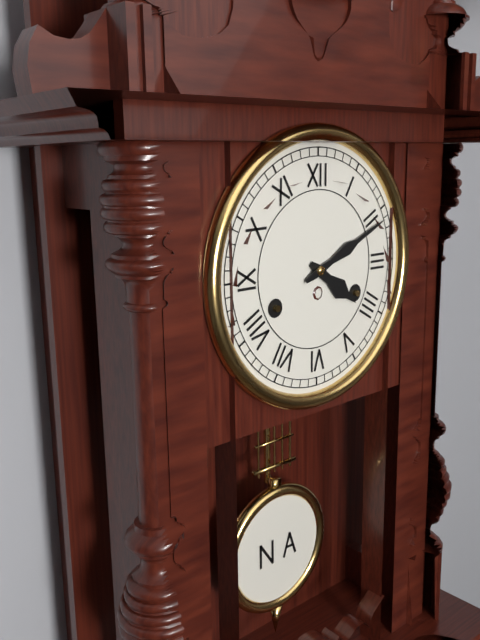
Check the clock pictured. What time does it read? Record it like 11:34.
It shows 4:11
